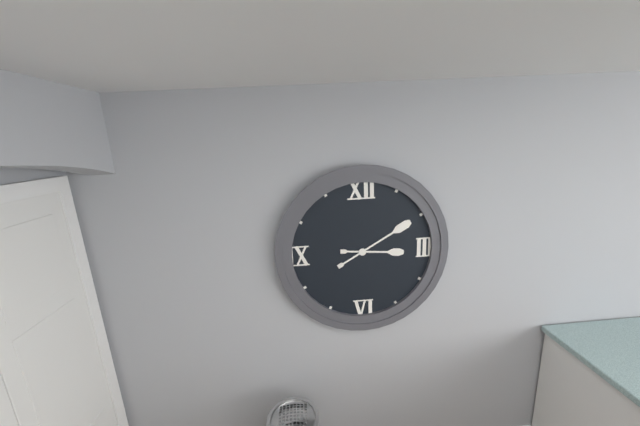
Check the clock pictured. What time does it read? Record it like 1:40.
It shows 3:10
